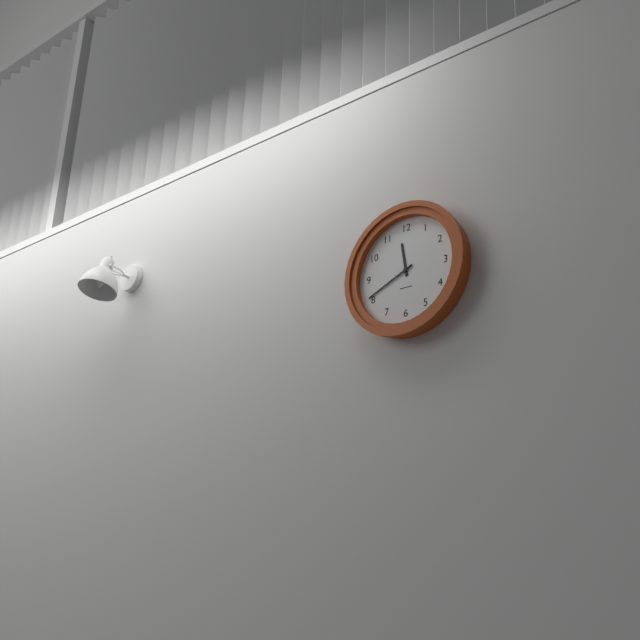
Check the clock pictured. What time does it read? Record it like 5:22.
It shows 11:41
